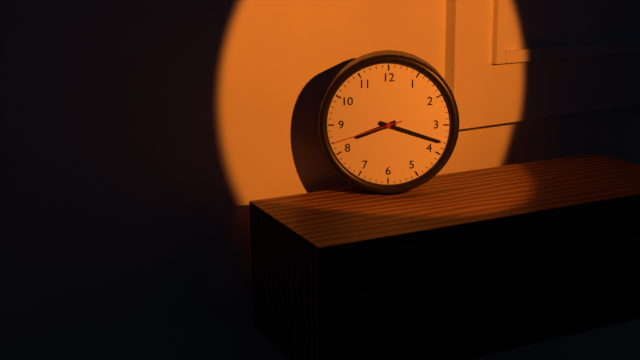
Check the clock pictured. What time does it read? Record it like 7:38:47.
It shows 8:18:42
